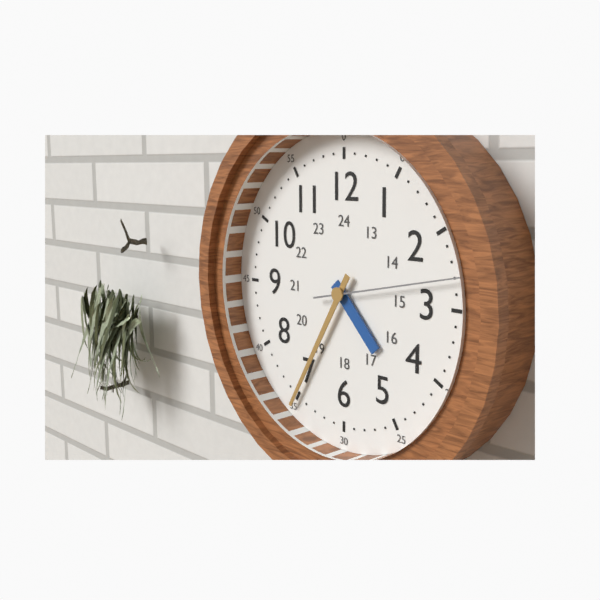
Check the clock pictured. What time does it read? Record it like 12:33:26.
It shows 4:35:13
